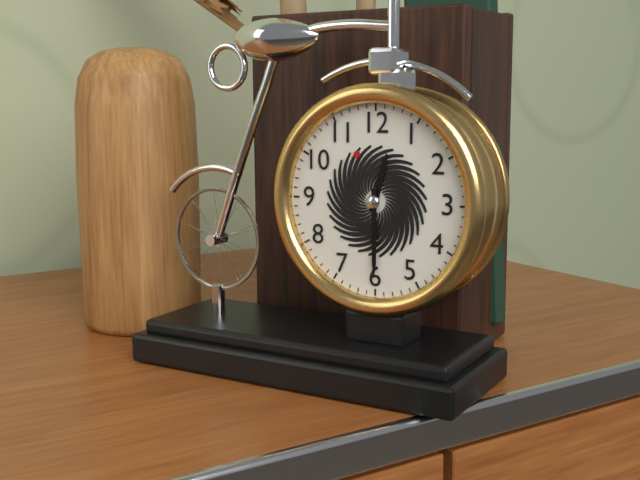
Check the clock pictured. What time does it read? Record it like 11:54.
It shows 12:30
